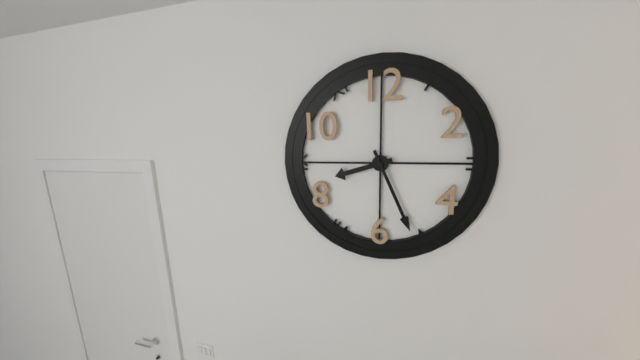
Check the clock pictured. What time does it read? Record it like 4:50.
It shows 8:26
